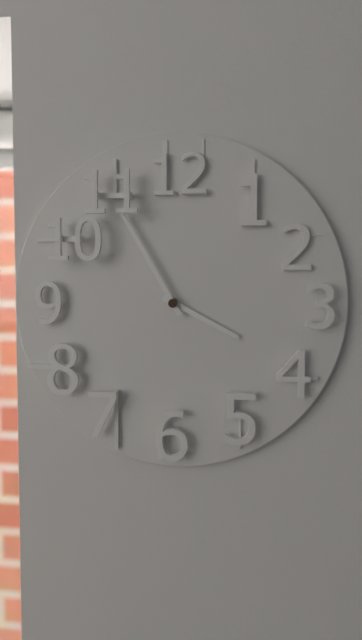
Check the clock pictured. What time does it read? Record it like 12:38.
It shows 3:55
